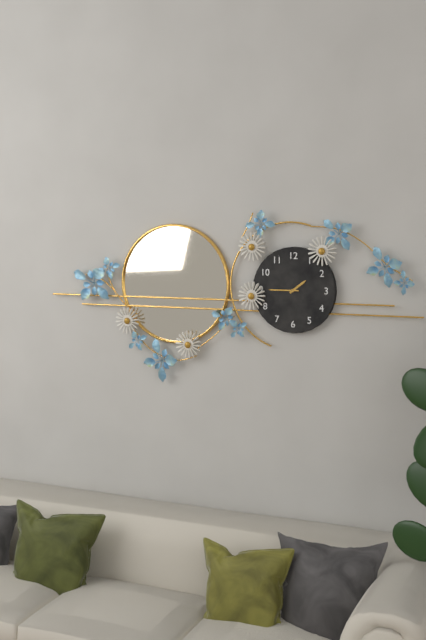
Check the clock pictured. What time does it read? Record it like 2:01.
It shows 1:45
